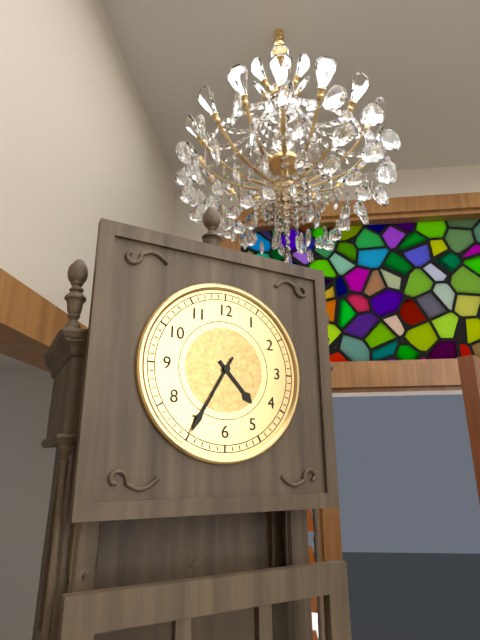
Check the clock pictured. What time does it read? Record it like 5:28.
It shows 4:35
